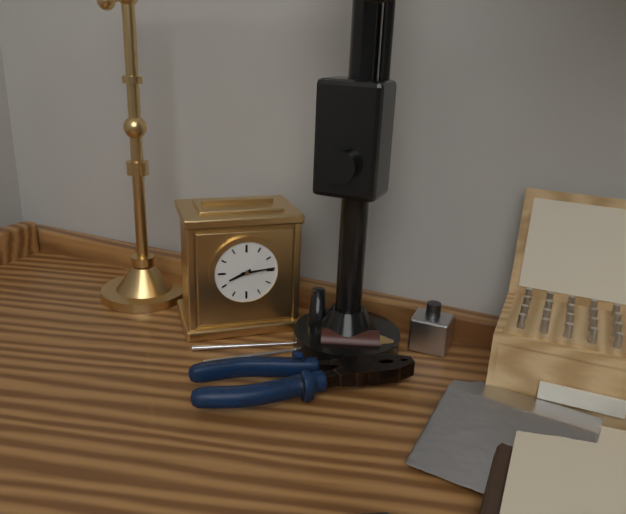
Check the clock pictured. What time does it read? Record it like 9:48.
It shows 8:14
